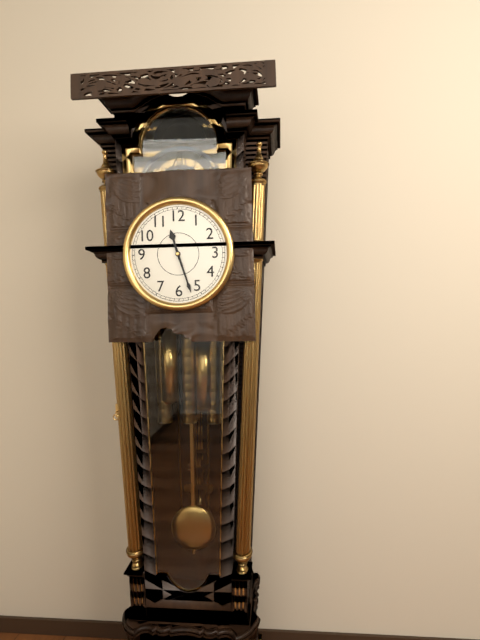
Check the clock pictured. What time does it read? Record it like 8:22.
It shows 11:27
